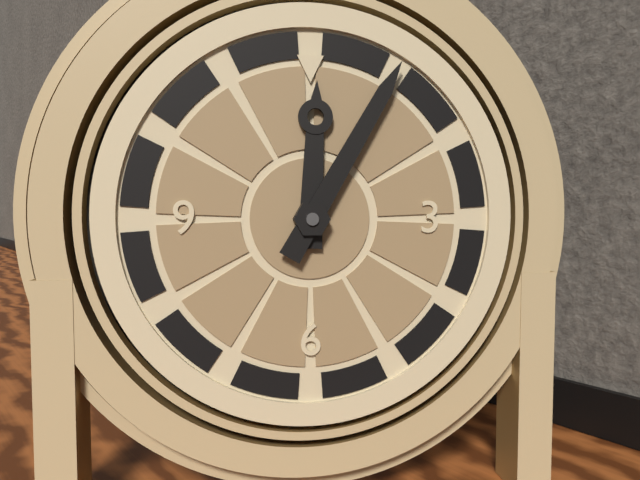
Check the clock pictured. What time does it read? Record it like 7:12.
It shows 12:05
